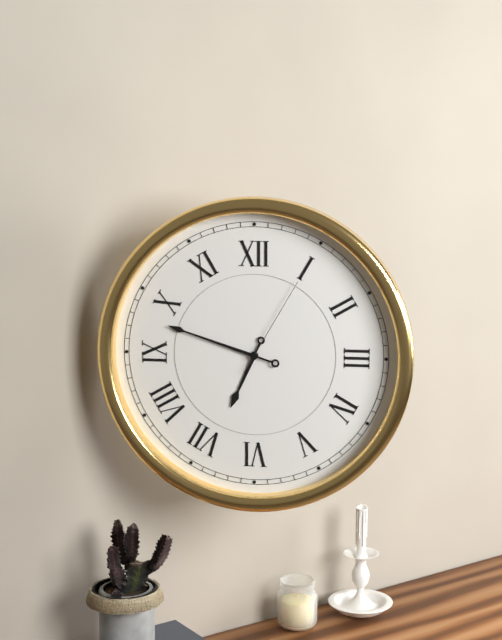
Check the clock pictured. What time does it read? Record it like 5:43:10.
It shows 6:48:05
